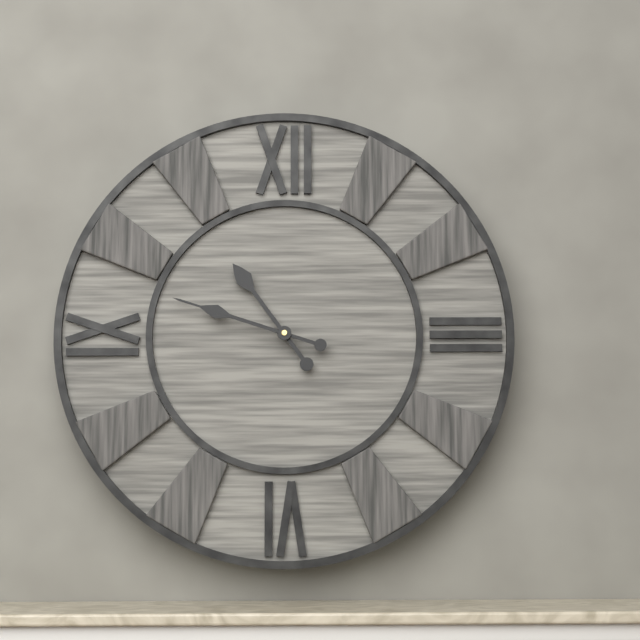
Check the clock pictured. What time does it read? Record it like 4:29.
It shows 10:48
